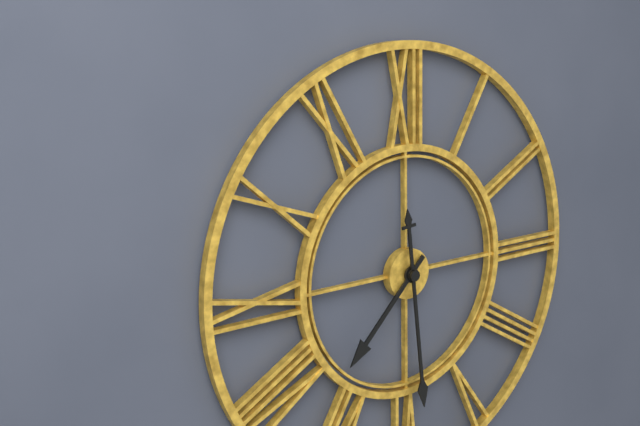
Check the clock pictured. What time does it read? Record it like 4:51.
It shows 7:29
